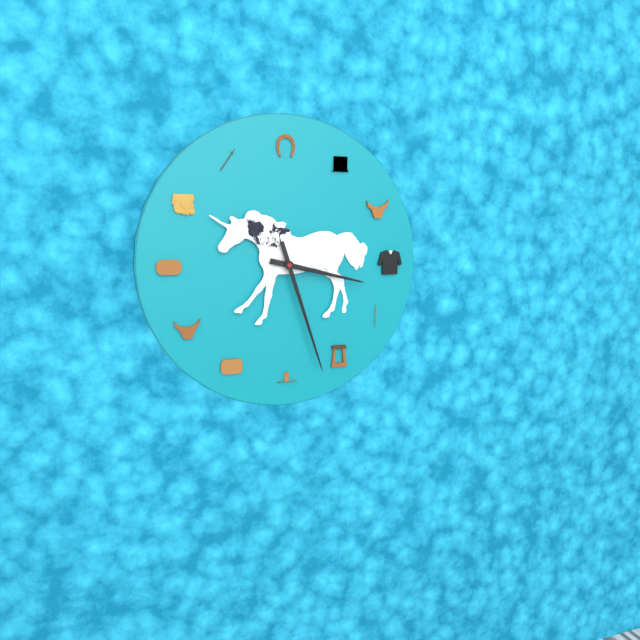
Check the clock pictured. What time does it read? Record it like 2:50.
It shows 3:27
